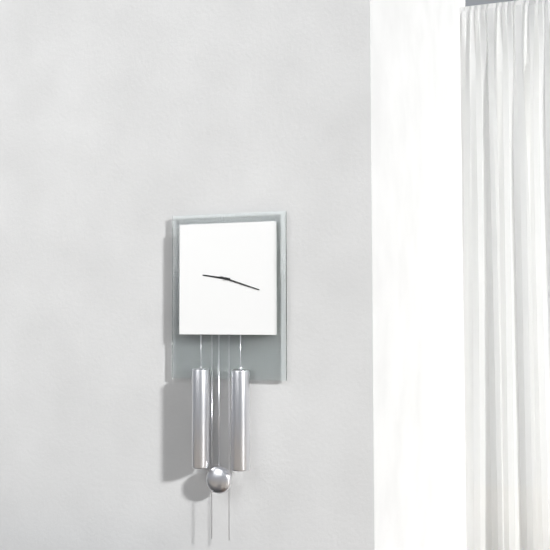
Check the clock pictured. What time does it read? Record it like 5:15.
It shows 9:18
